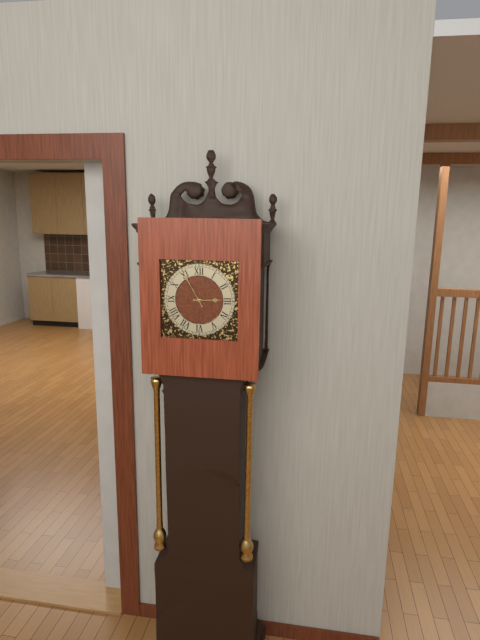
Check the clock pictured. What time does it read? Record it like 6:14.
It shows 2:55
